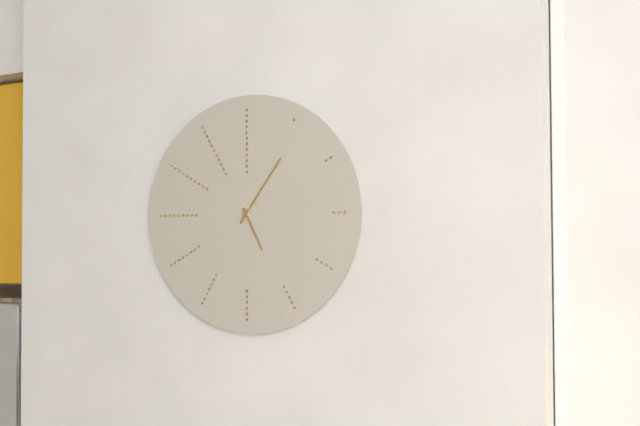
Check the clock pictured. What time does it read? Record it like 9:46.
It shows 5:06
